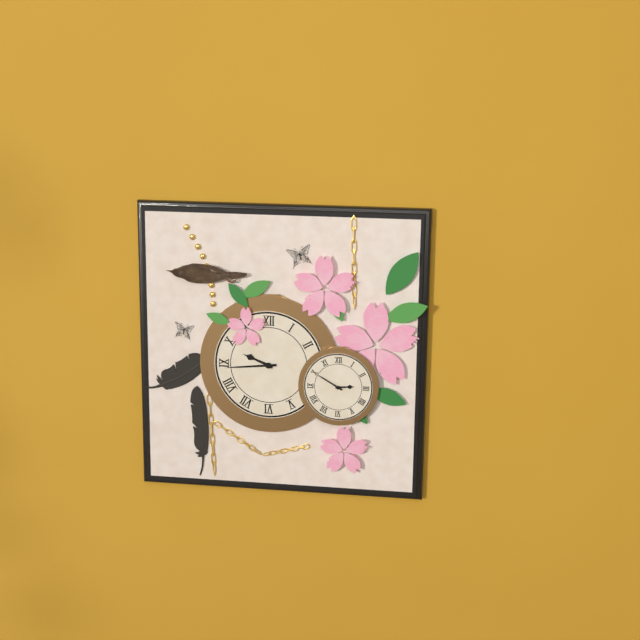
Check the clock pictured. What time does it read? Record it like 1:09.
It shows 9:44
